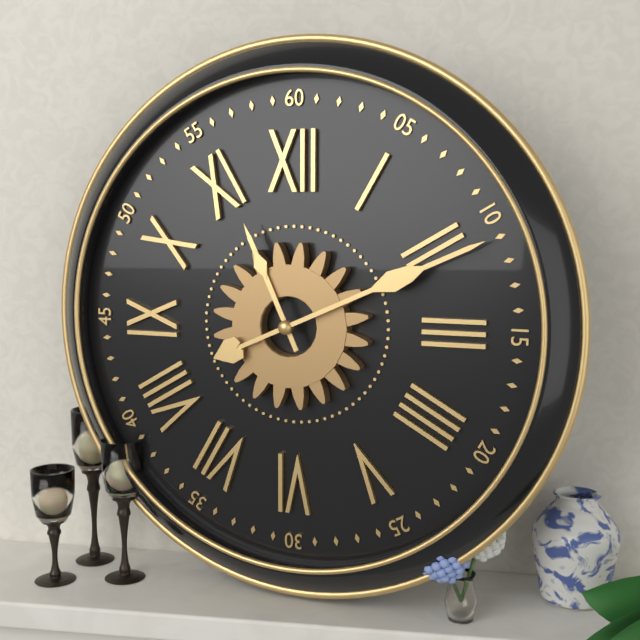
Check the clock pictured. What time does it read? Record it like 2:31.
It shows 11:11
